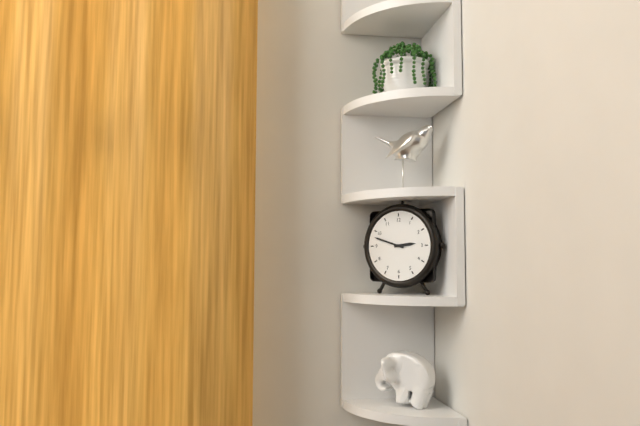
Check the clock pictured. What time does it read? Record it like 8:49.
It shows 2:48
